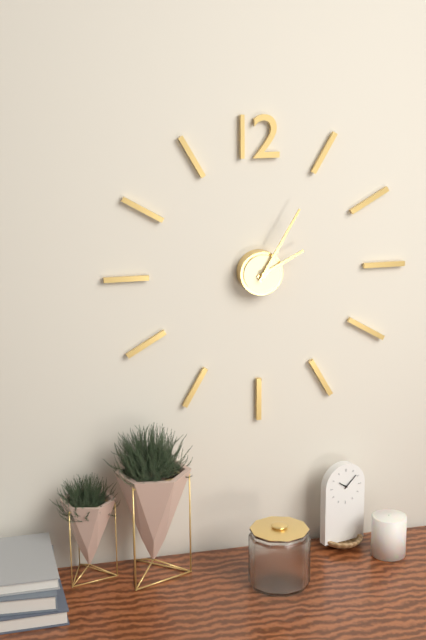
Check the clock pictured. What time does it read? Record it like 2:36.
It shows 2:05
